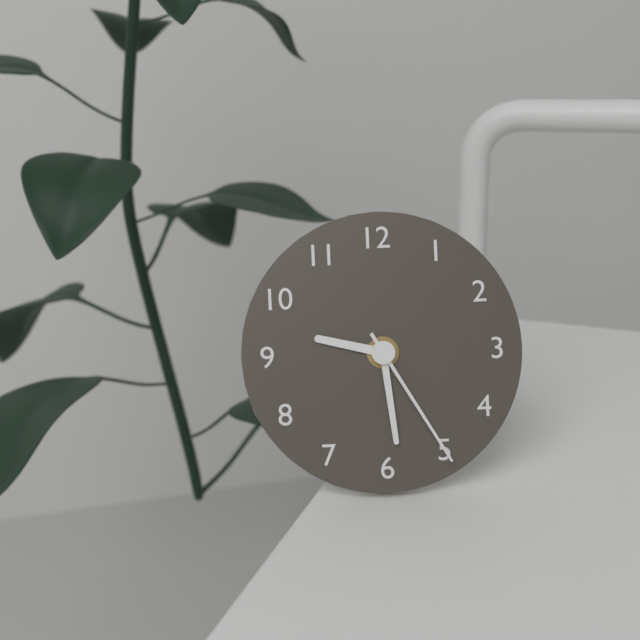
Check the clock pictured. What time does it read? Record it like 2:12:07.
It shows 9:29:25
